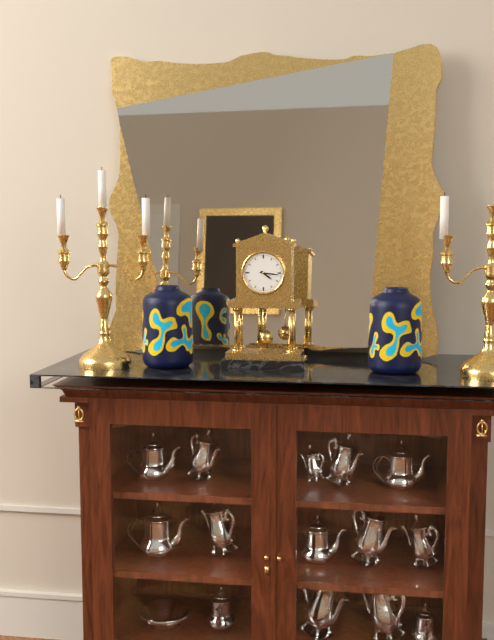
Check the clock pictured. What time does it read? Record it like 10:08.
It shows 4:16
